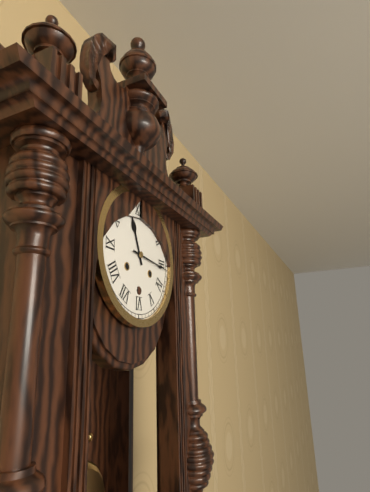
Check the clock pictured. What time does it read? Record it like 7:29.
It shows 11:16
